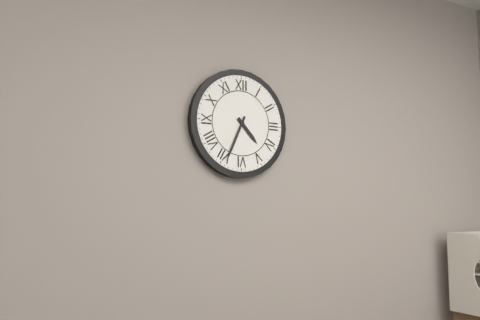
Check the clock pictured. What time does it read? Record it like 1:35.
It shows 4:34
